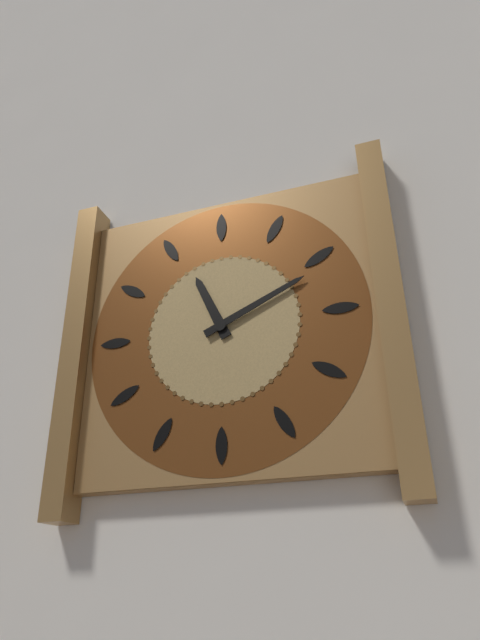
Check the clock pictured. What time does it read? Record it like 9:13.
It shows 11:11
